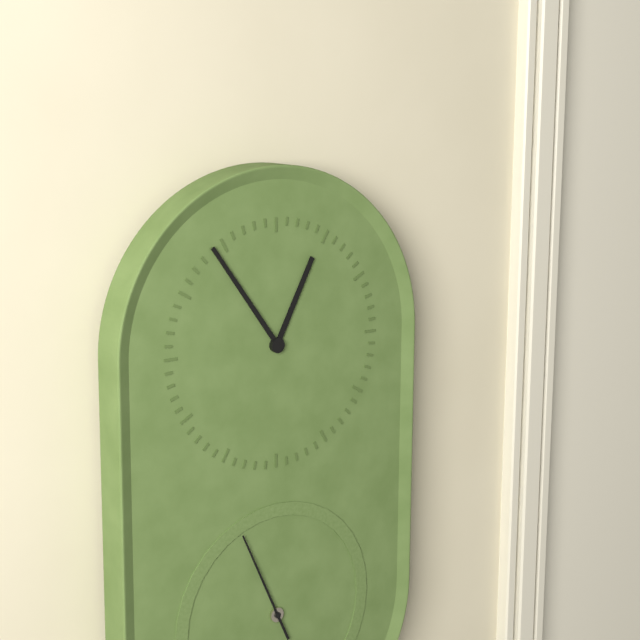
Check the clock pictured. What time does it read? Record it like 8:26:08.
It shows 12:54:56
